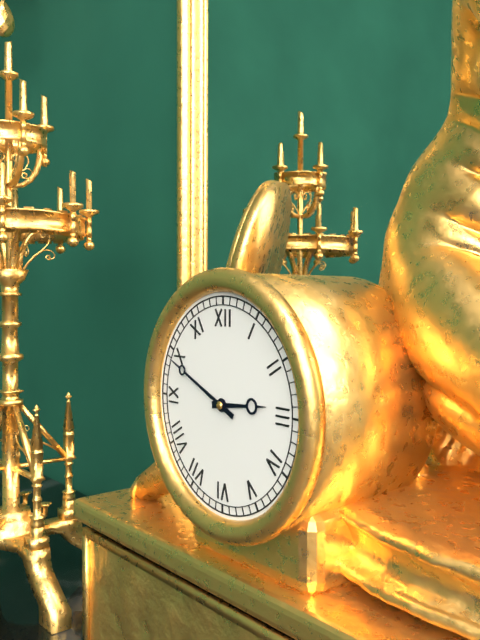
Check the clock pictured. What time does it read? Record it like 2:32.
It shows 2:49
